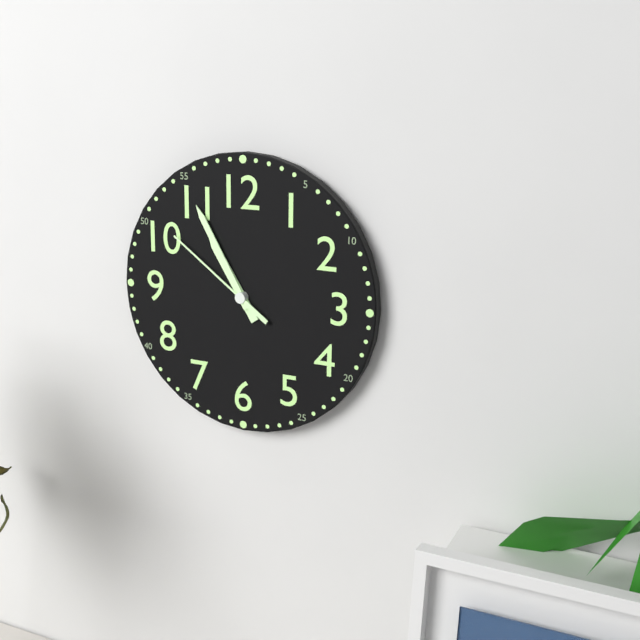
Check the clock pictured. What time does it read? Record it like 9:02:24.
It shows 10:55:51
